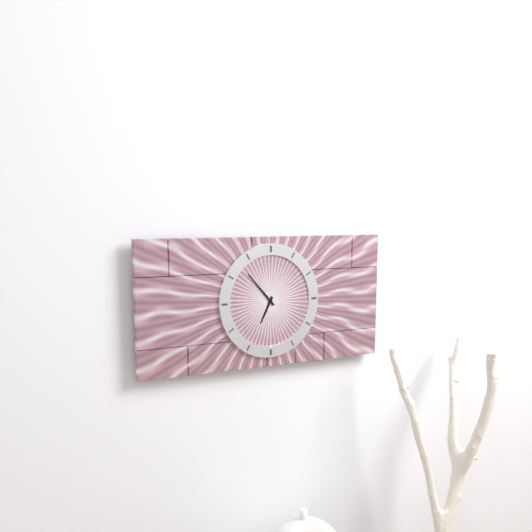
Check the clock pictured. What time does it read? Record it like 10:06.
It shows 6:53
